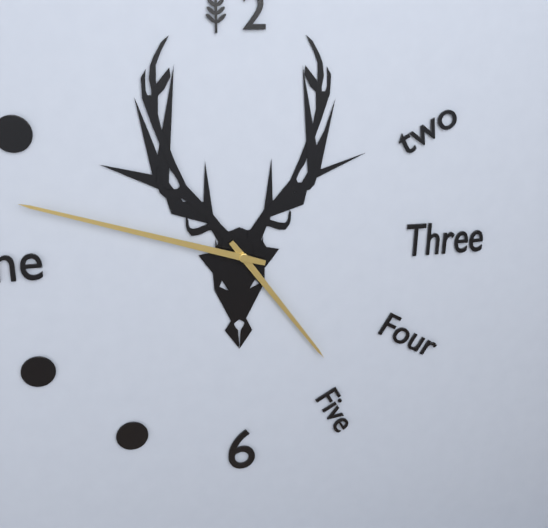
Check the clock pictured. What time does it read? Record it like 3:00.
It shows 4:48
